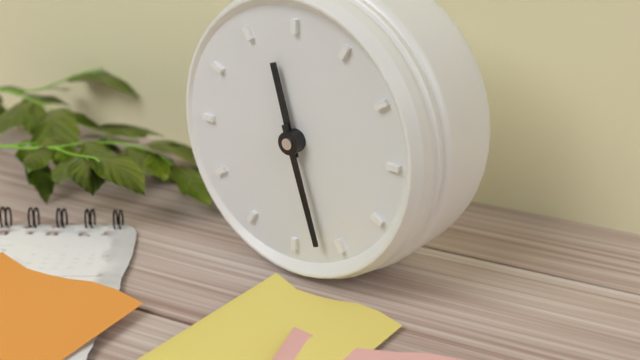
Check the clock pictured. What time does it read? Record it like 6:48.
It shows 11:27
